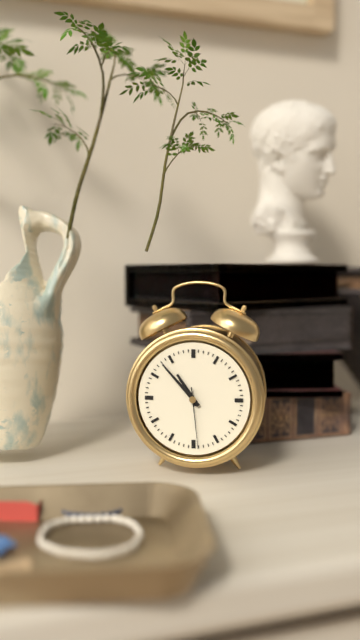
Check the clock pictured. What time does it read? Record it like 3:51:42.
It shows 10:53:29
